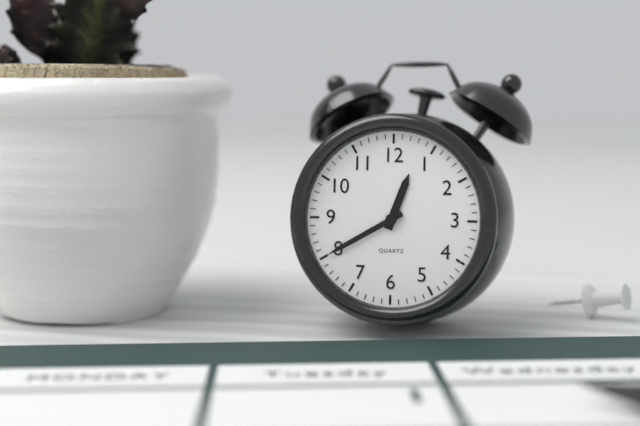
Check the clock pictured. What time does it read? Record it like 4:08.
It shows 12:40
